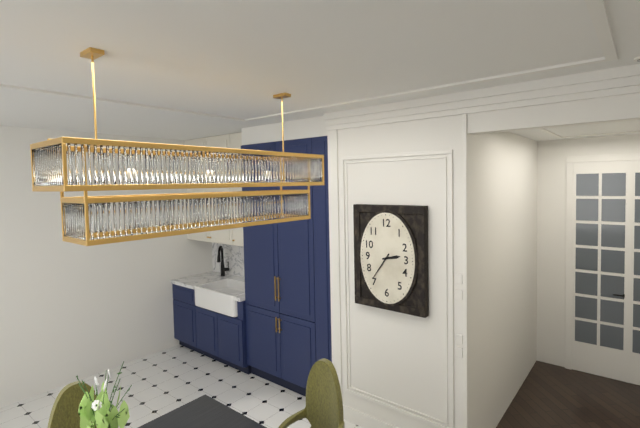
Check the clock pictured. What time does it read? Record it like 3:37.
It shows 2:36
